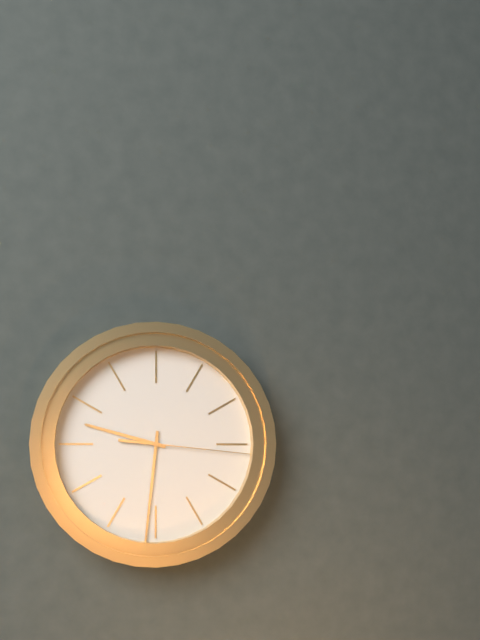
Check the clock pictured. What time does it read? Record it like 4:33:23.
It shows 9:31:16
